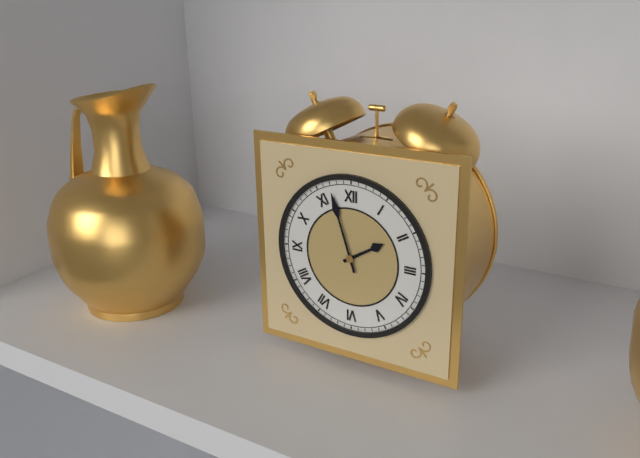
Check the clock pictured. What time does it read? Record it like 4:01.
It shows 1:57
